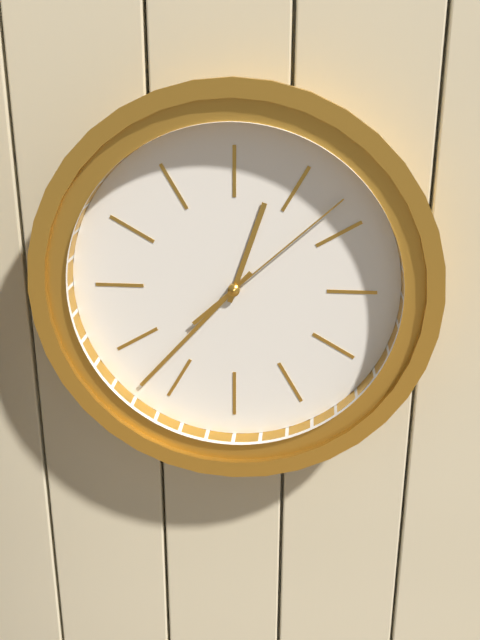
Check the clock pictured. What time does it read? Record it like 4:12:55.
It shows 12:37:08
